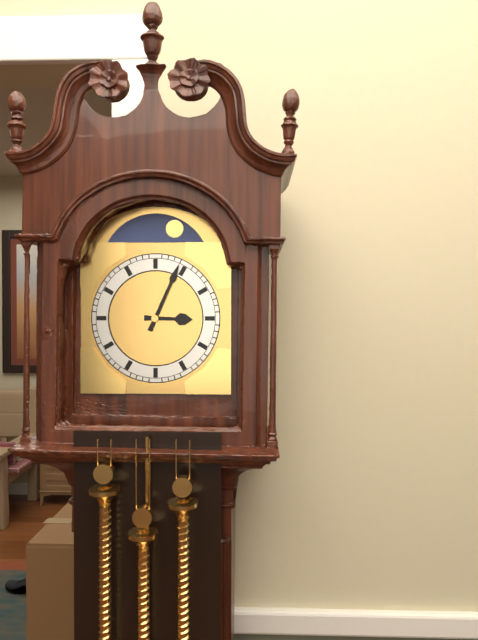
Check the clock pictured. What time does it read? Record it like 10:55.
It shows 3:04
